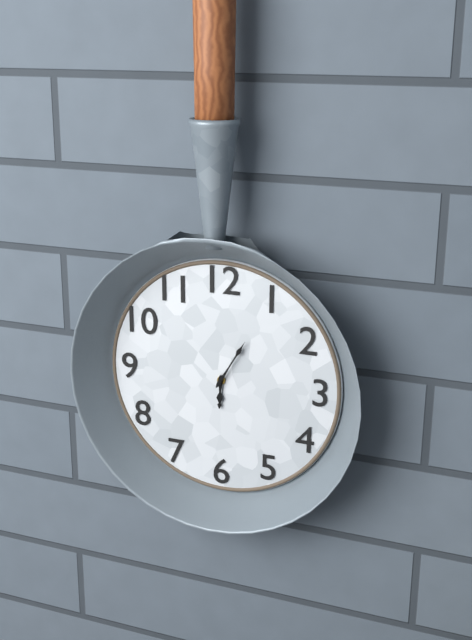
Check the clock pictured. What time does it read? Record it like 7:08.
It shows 6:05
